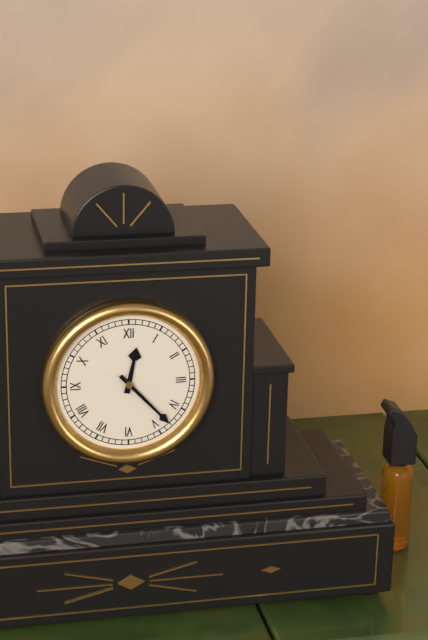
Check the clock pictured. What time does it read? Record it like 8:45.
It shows 12:23
